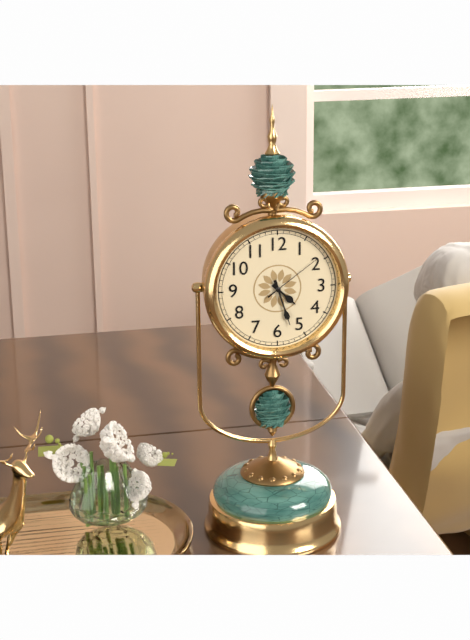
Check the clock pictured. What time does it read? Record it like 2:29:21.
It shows 4:27:09
